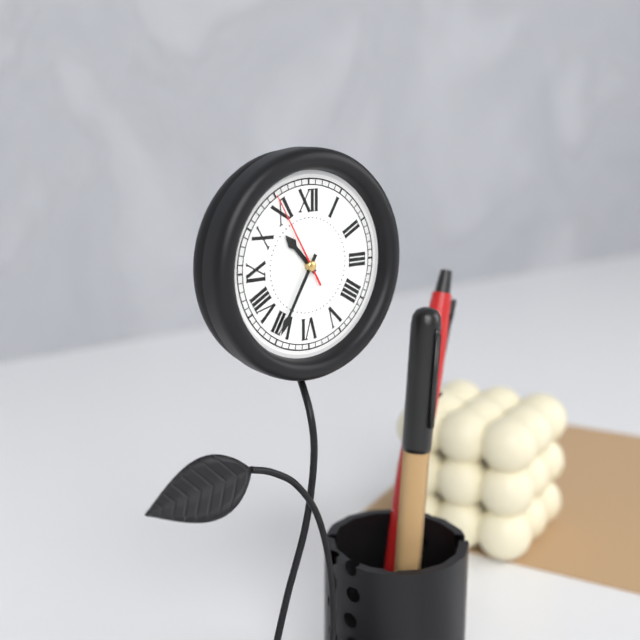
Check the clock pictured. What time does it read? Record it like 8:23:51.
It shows 10:35:55
